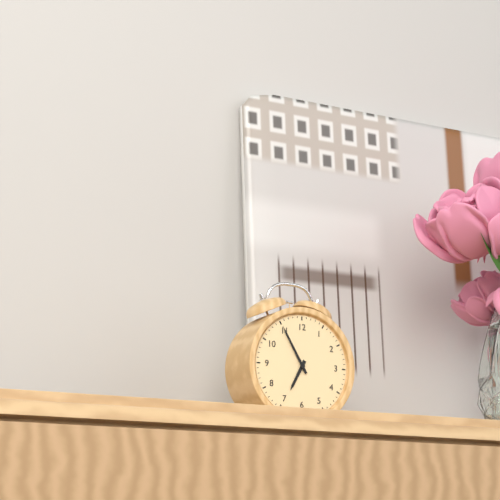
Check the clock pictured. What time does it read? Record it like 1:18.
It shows 6:55
